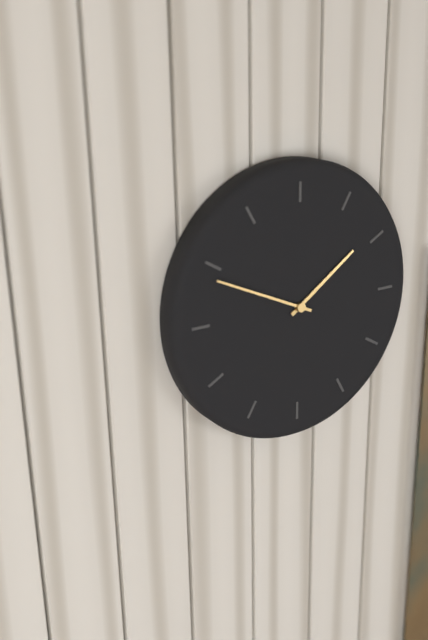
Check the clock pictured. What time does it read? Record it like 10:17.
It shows 1:49
